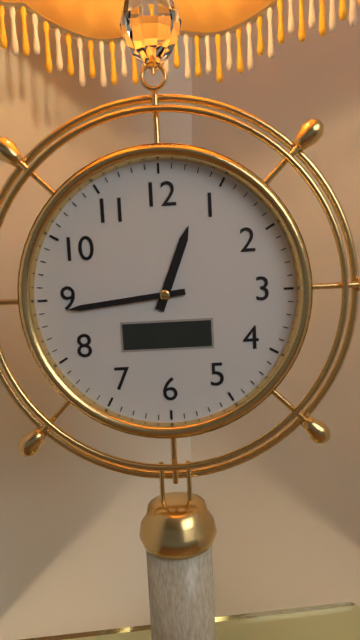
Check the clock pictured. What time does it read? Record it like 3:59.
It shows 12:44
